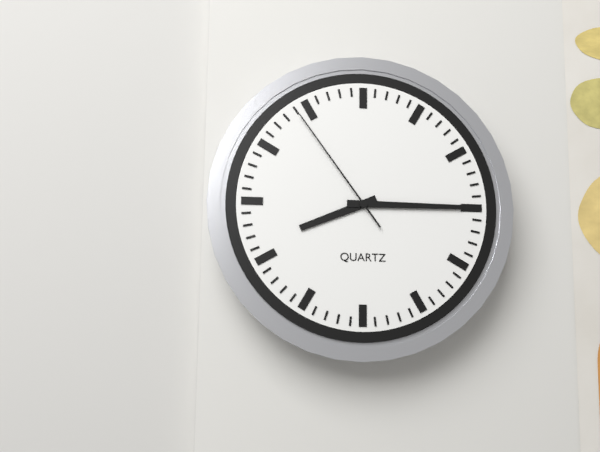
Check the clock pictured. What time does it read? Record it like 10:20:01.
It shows 8:15:54
